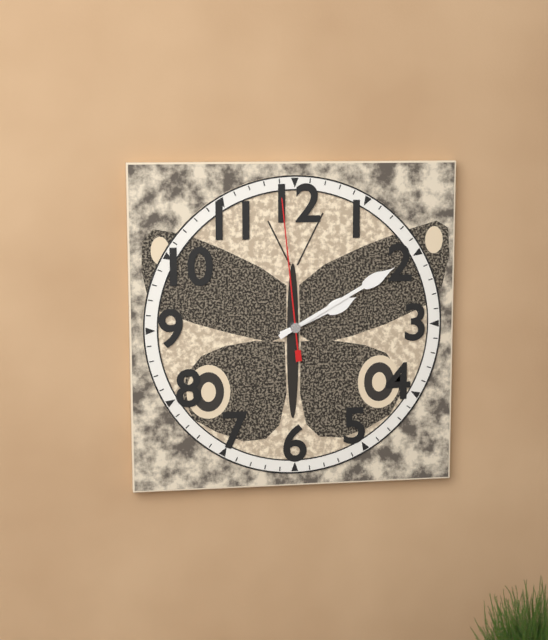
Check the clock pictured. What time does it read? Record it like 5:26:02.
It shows 2:10:59
